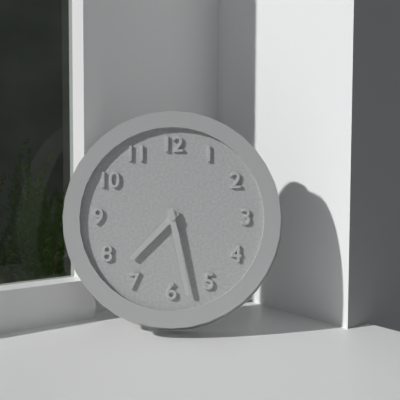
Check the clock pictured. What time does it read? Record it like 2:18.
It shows 7:28
